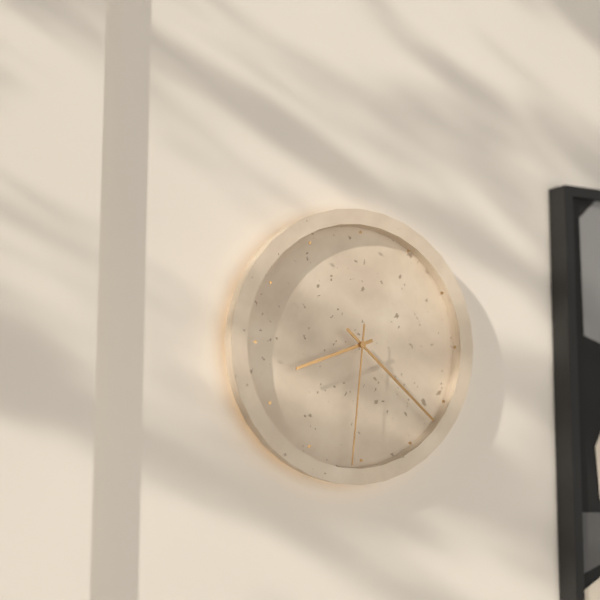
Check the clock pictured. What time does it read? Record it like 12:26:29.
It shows 8:22:31
